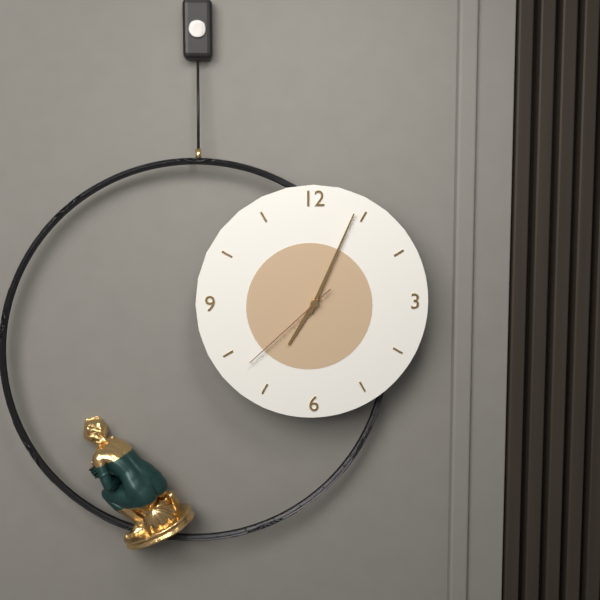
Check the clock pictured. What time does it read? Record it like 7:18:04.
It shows 7:04:38
